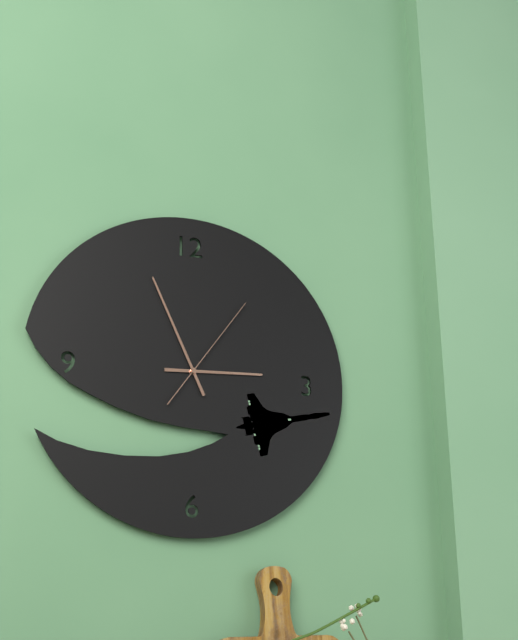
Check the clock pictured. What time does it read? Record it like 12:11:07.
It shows 2:56:06
